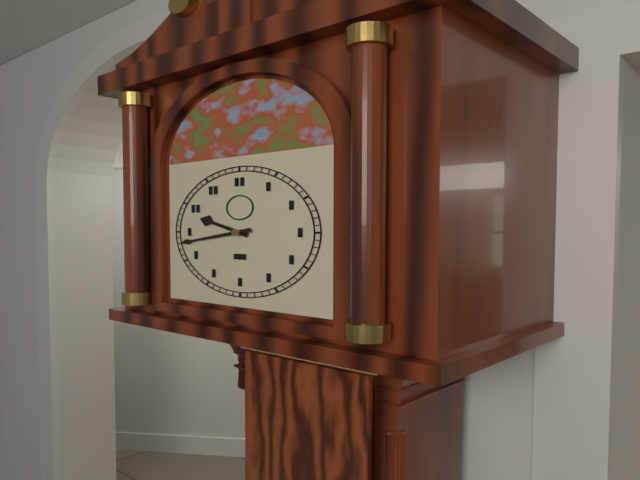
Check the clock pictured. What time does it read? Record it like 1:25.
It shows 9:43
